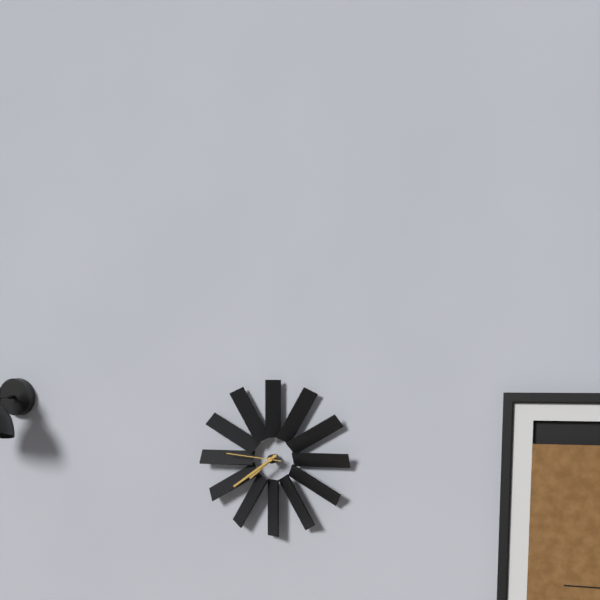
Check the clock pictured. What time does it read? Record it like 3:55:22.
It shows 7:39:46
